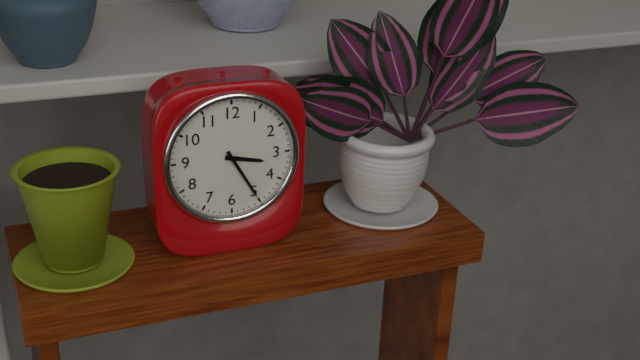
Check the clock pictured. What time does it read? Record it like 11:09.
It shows 3:25
